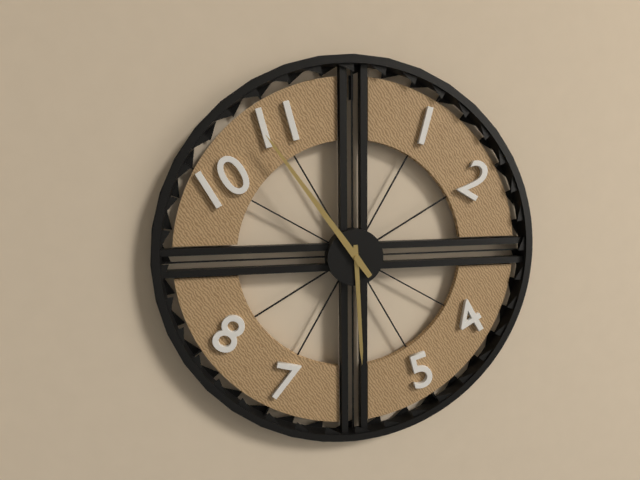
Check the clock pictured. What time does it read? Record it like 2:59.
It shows 5:54
